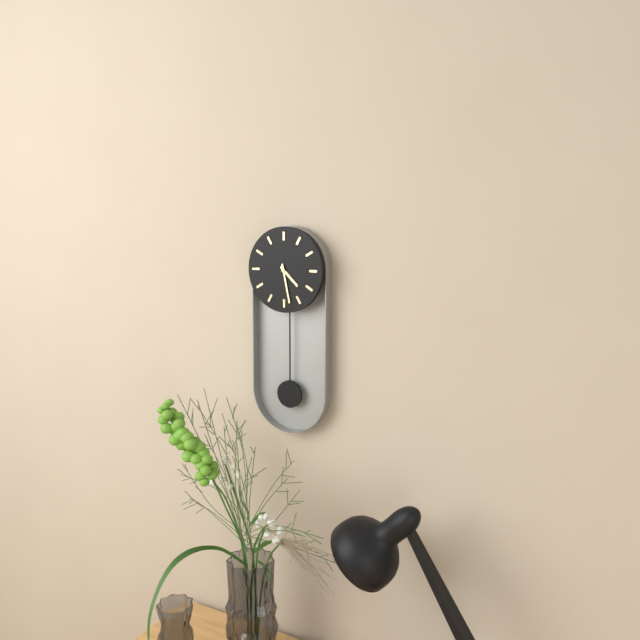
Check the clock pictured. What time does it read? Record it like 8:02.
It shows 4:28
